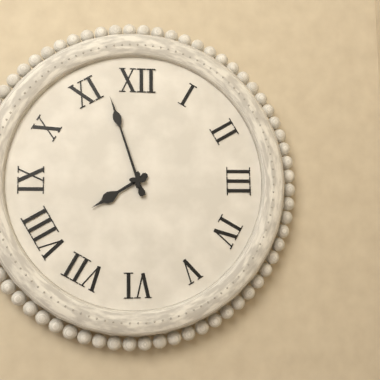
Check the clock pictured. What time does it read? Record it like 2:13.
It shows 7:57
